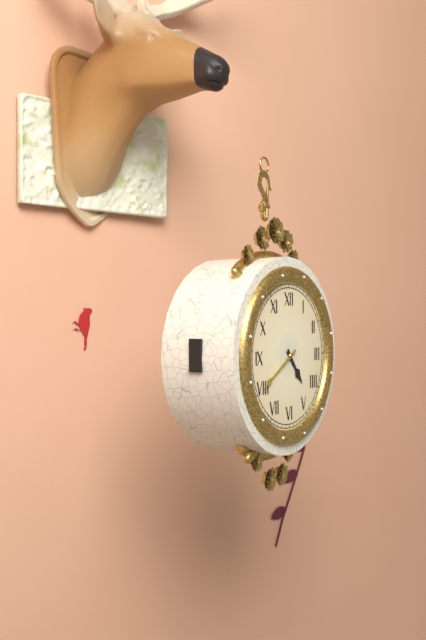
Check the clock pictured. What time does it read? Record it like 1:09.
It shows 4:40
